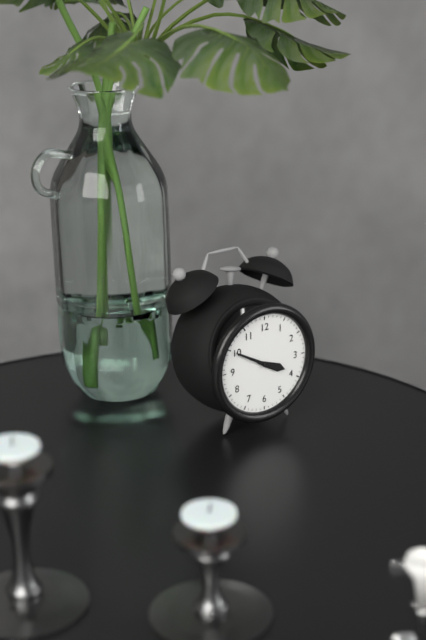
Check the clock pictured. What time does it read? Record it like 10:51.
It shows 3:50
